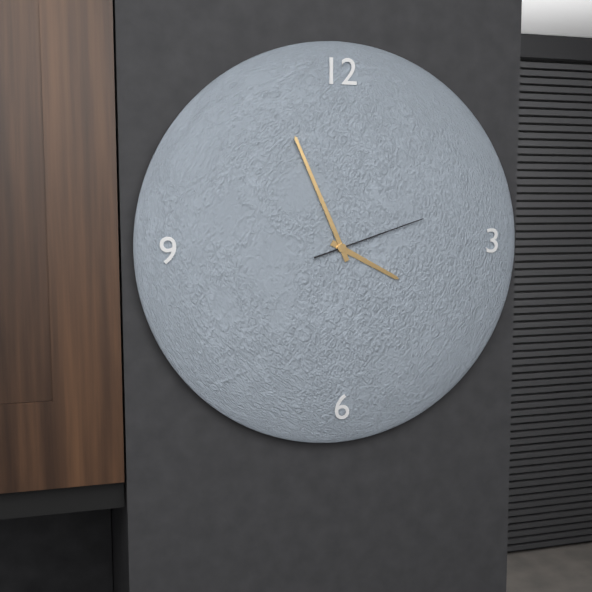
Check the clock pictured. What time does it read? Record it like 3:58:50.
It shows 3:56:12
